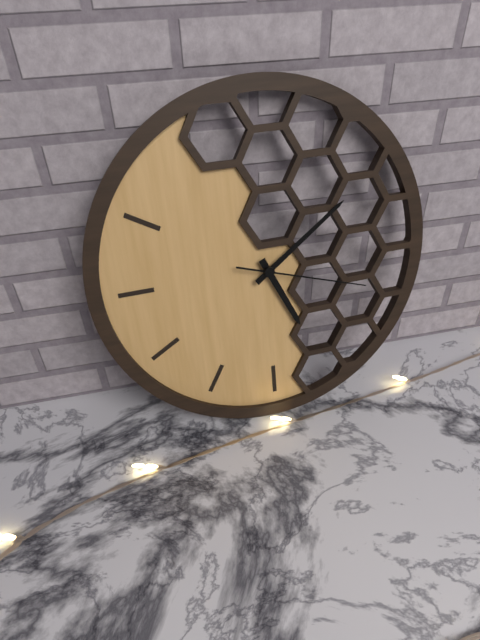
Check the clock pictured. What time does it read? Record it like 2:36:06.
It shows 5:09:18
